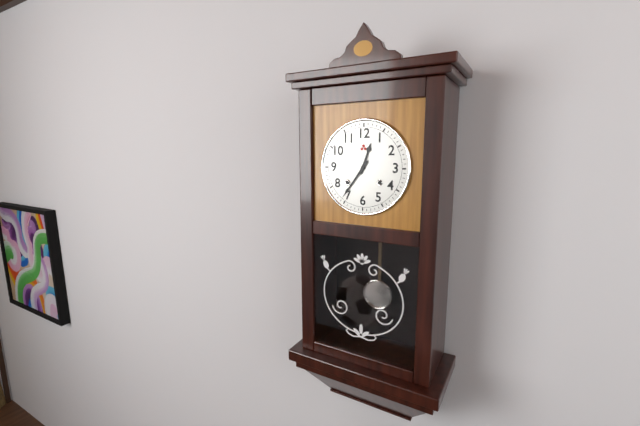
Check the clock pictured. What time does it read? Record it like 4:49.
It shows 12:36
